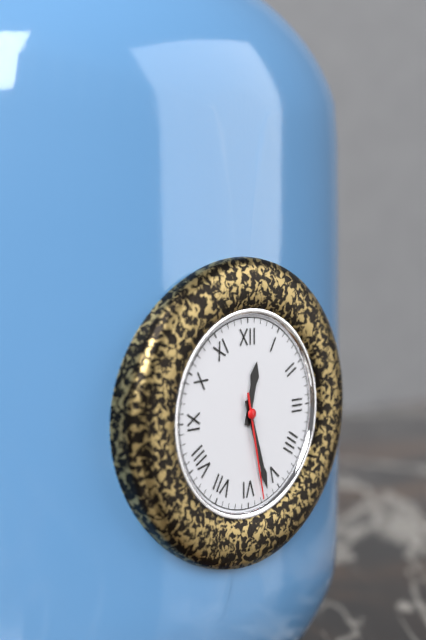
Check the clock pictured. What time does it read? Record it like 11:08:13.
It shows 12:27:28
